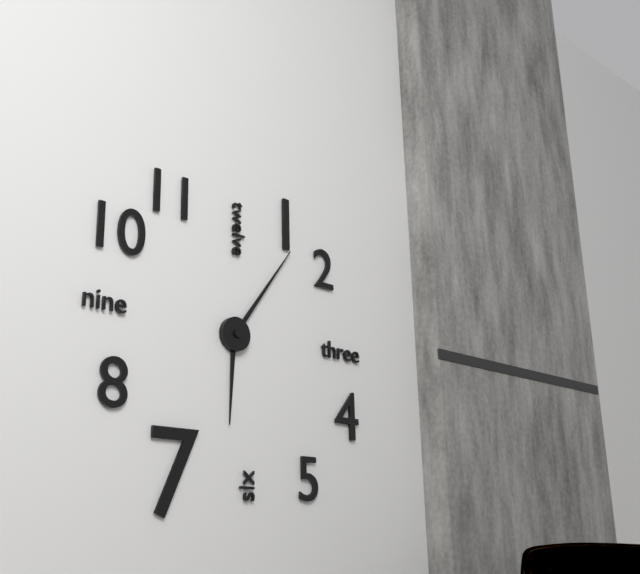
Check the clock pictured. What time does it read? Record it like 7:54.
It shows 6:06
